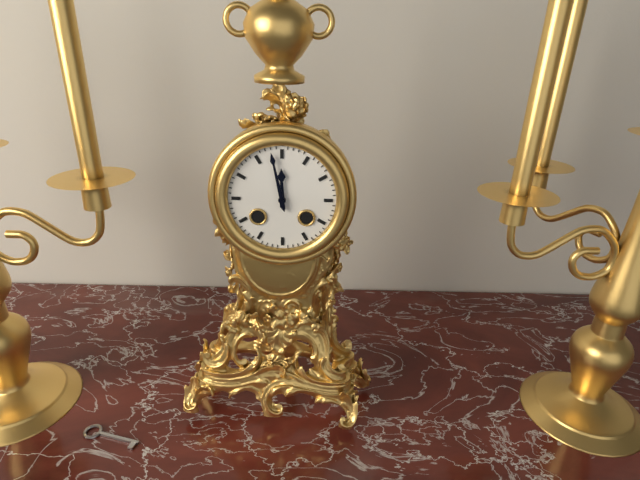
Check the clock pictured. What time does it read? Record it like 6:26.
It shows 11:58
